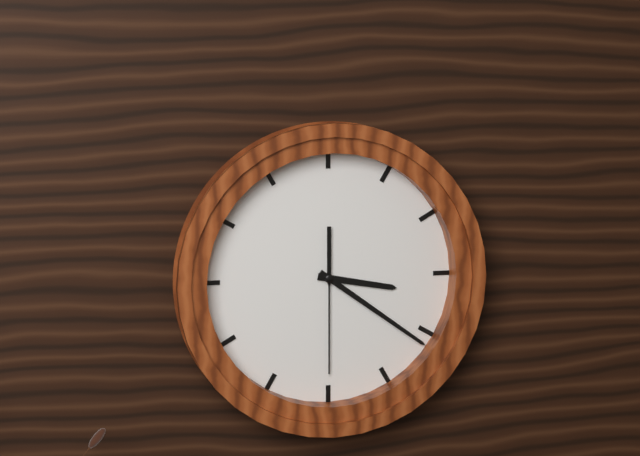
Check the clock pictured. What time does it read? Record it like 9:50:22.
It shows 3:21:30
